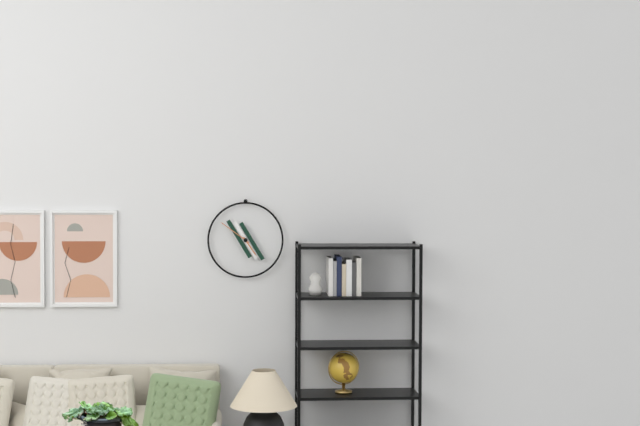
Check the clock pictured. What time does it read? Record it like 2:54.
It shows 4:51
